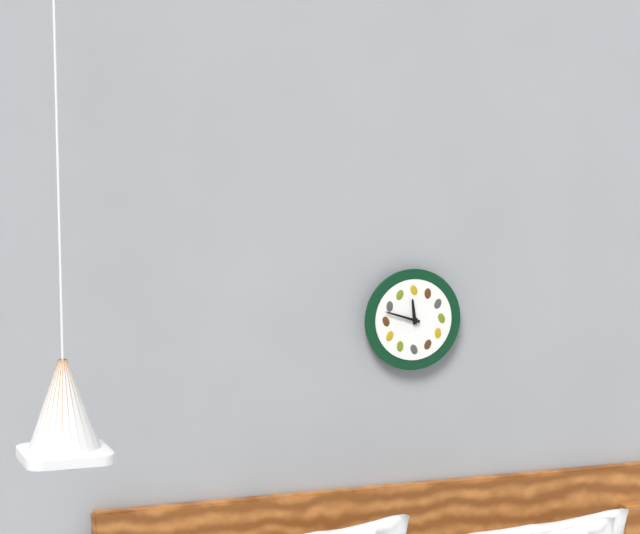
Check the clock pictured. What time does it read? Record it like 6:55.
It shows 11:48
